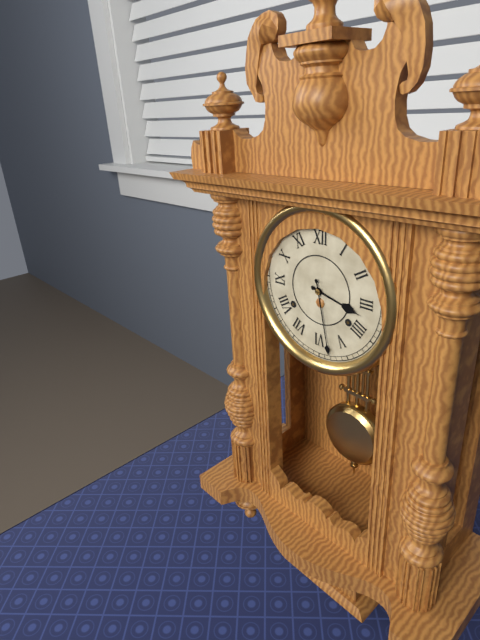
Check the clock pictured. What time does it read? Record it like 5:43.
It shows 3:28
